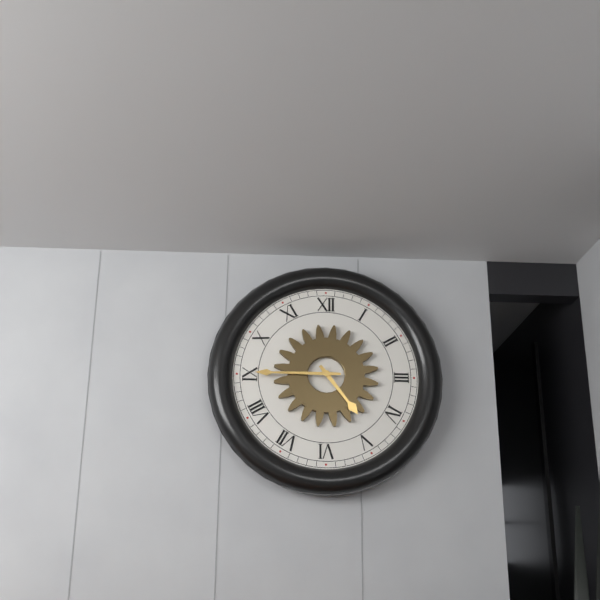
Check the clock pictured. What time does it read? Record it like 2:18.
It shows 4:45
